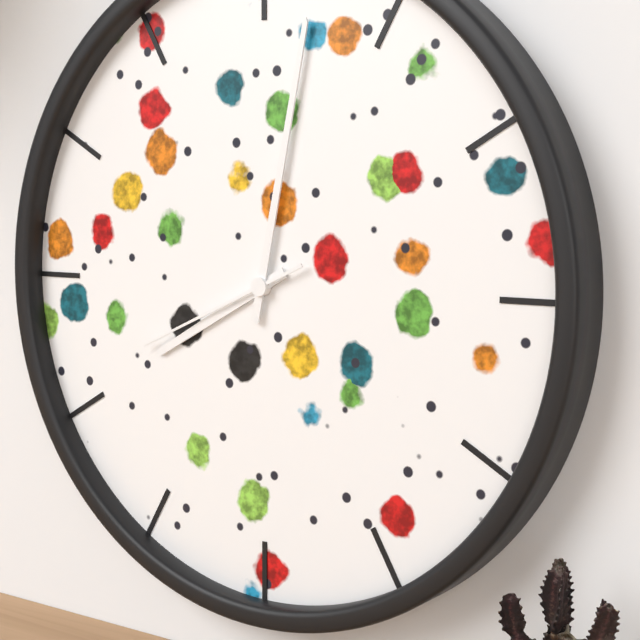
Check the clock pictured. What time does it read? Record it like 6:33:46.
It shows 8:02:41
